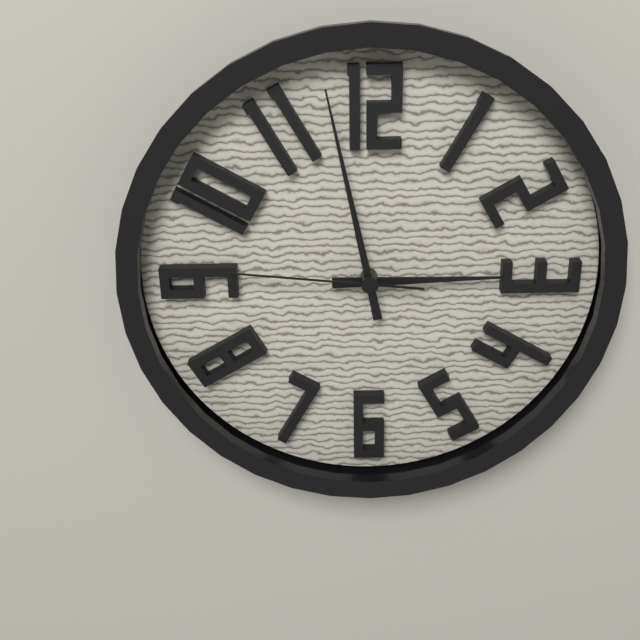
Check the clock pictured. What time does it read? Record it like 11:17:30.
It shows 2:58:46
